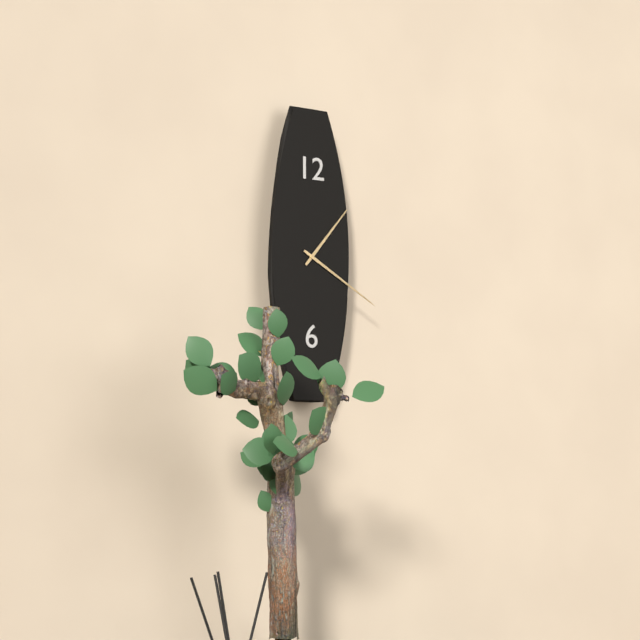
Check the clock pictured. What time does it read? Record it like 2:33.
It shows 1:20
